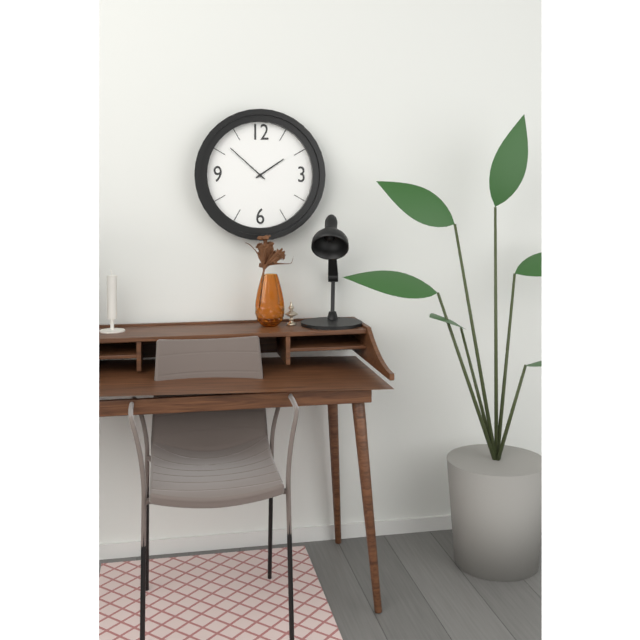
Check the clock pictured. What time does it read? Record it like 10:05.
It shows 1:52
